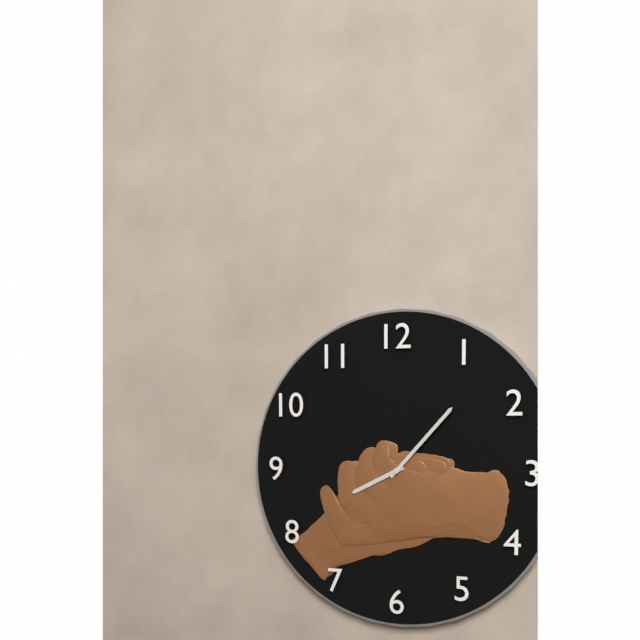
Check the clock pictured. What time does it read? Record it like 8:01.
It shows 8:07
